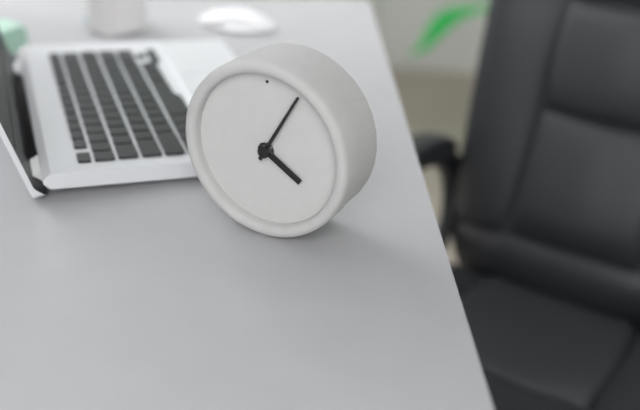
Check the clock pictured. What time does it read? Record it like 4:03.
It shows 4:05
